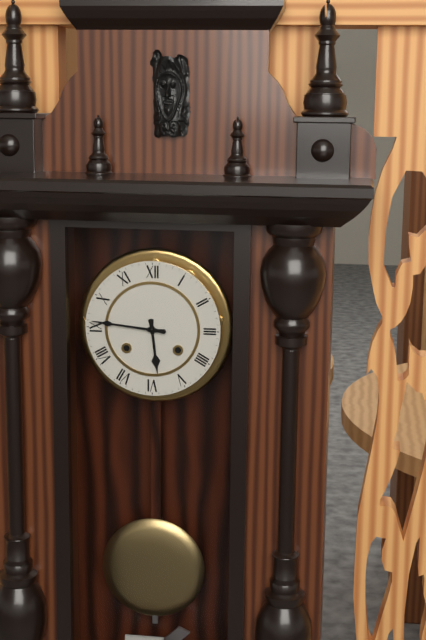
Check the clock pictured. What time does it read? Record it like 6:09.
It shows 5:46
